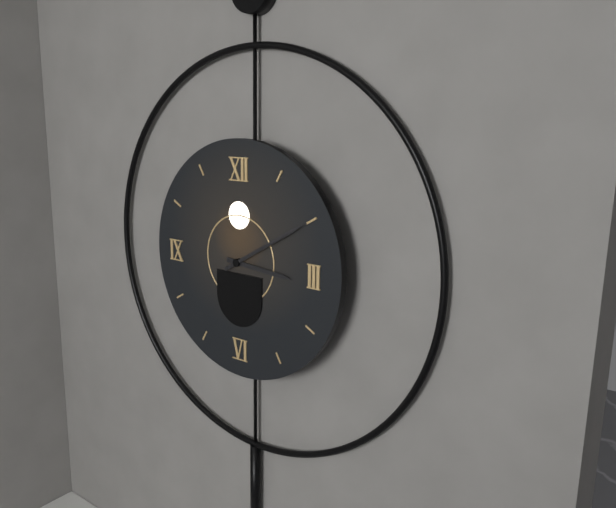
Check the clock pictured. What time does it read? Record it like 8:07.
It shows 3:10
